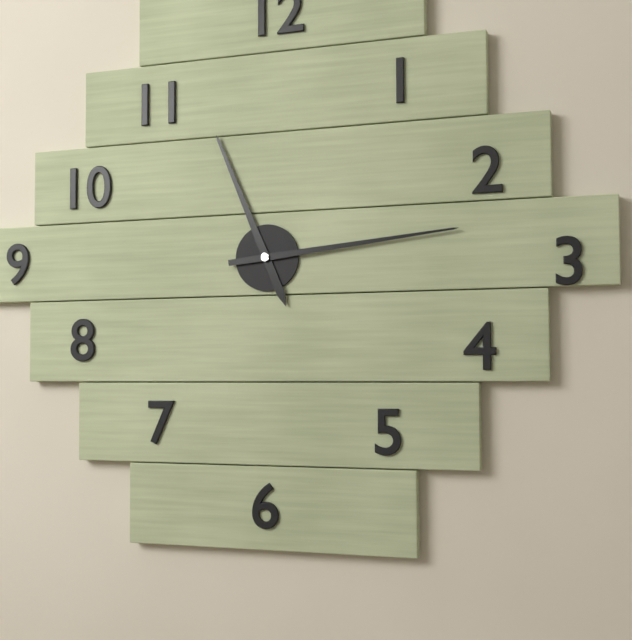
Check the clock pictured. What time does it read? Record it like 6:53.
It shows 11:14
